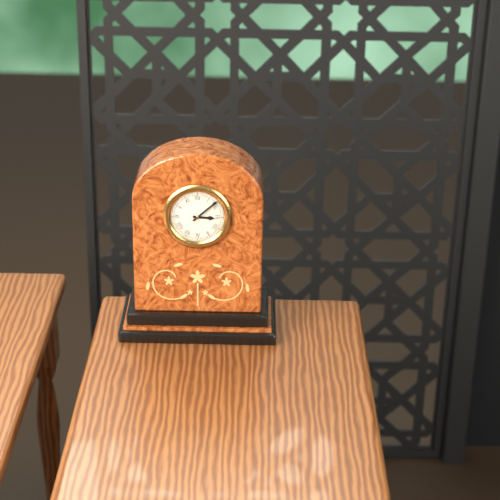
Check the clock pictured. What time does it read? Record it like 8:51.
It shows 3:08
